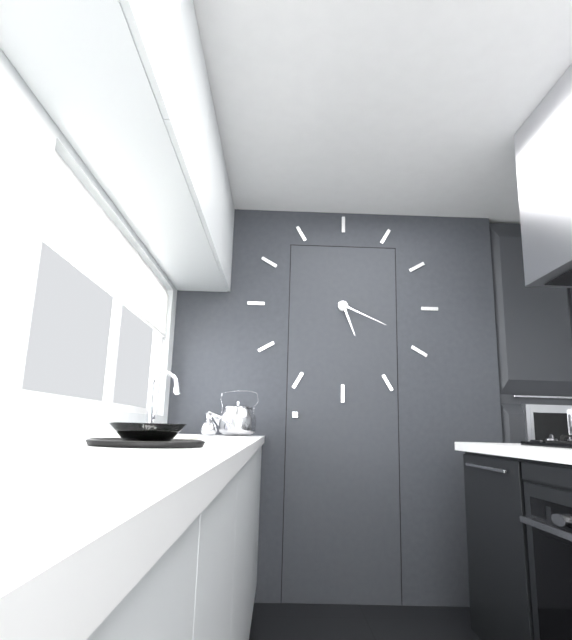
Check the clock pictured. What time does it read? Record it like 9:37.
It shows 5:19
